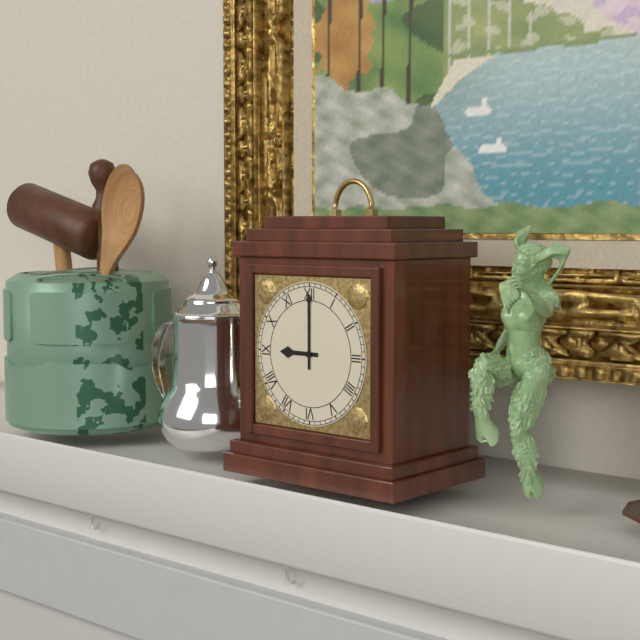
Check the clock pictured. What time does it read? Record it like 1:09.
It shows 9:00
